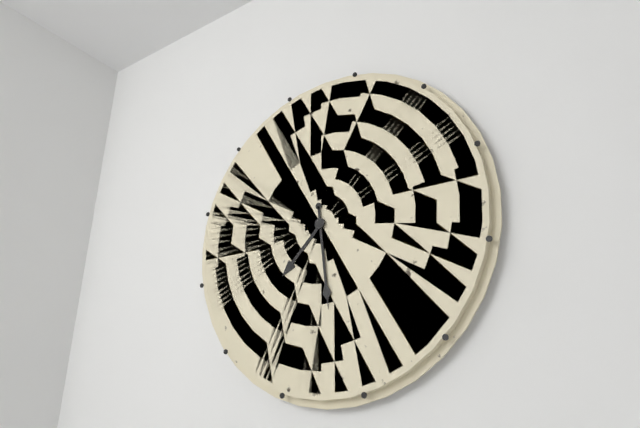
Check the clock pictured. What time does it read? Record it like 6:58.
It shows 7:29
